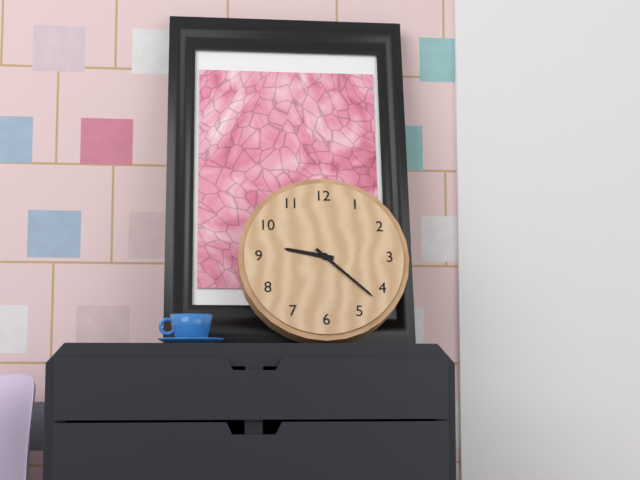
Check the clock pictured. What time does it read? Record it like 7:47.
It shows 9:22
